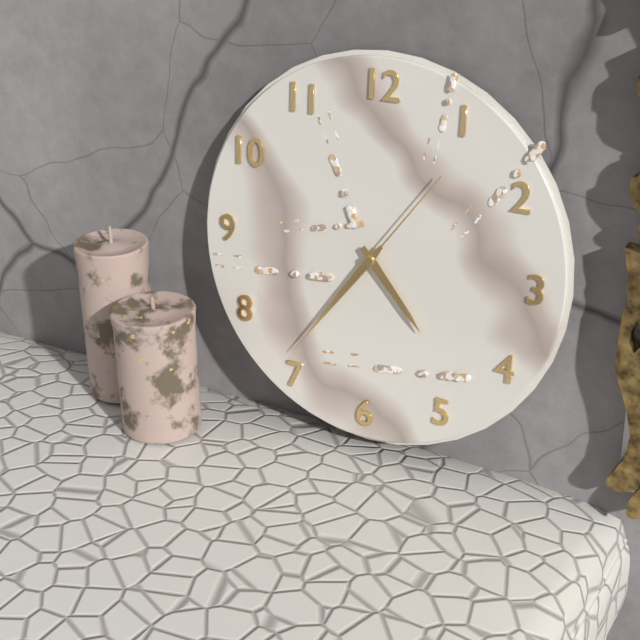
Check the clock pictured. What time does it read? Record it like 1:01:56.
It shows 4:36:06
